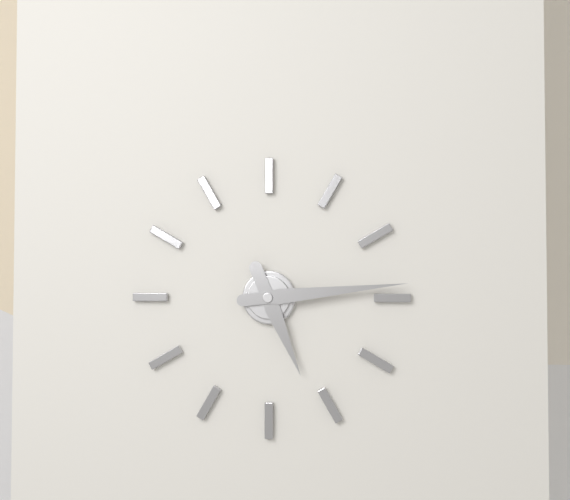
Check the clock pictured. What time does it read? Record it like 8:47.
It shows 5:14
